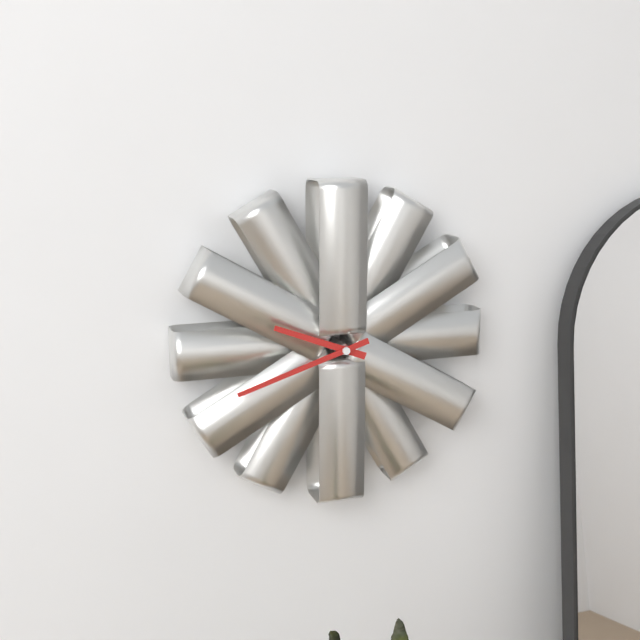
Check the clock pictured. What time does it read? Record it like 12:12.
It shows 9:42
